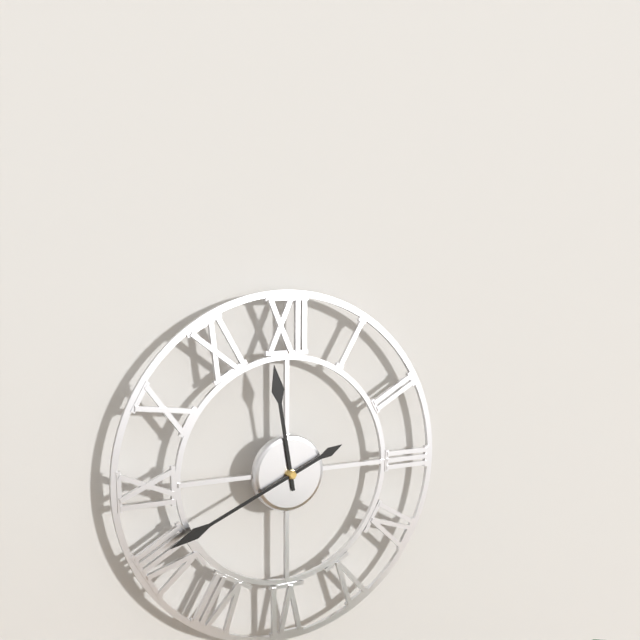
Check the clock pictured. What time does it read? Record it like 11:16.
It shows 11:41
